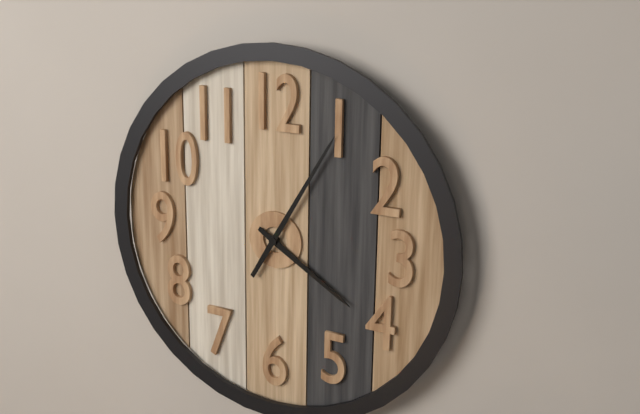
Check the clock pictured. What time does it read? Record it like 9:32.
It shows 4:05
